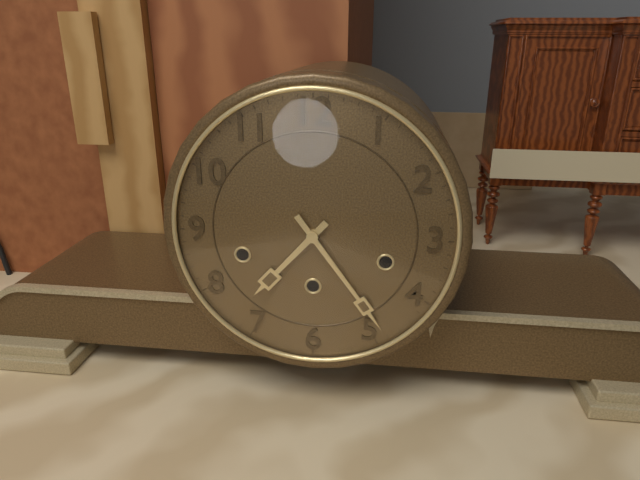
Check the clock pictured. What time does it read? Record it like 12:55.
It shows 7:24
